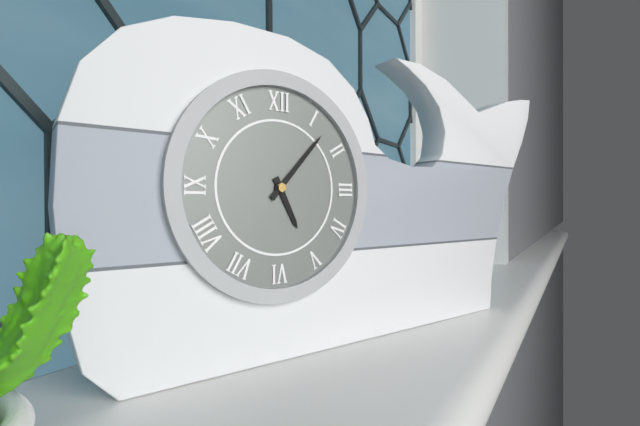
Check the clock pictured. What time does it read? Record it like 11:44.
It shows 5:07
